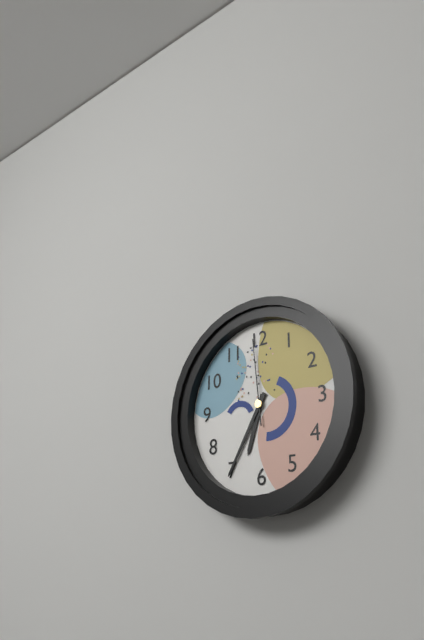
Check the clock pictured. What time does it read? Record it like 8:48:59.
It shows 6:35:59
